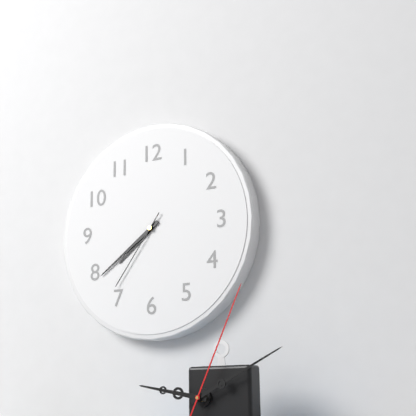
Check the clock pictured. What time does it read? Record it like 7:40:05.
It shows 7:39:36
